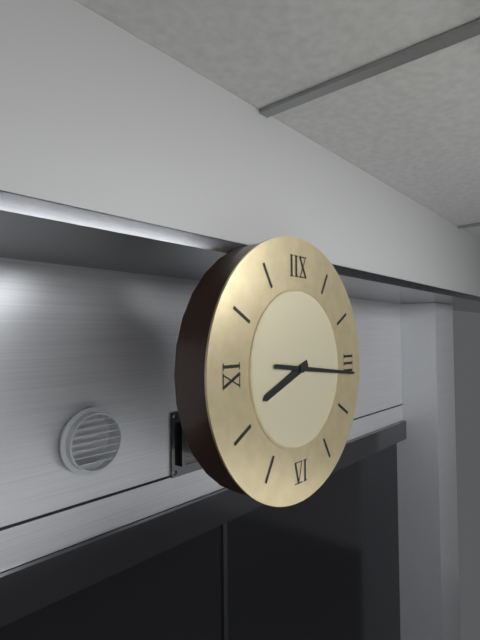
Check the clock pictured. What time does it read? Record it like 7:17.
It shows 8:16
